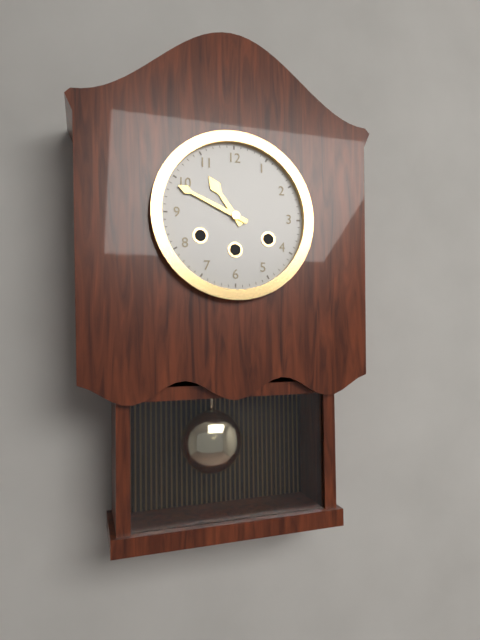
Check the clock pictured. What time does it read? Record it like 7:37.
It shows 10:49
